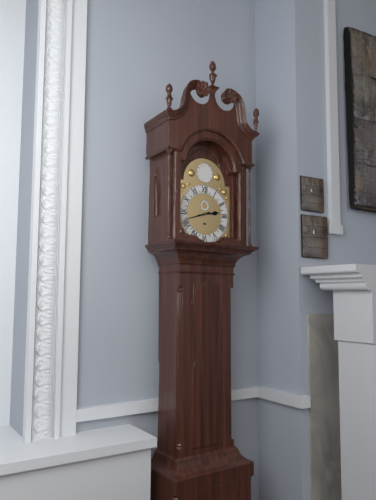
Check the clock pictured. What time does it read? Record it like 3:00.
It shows 2:42
